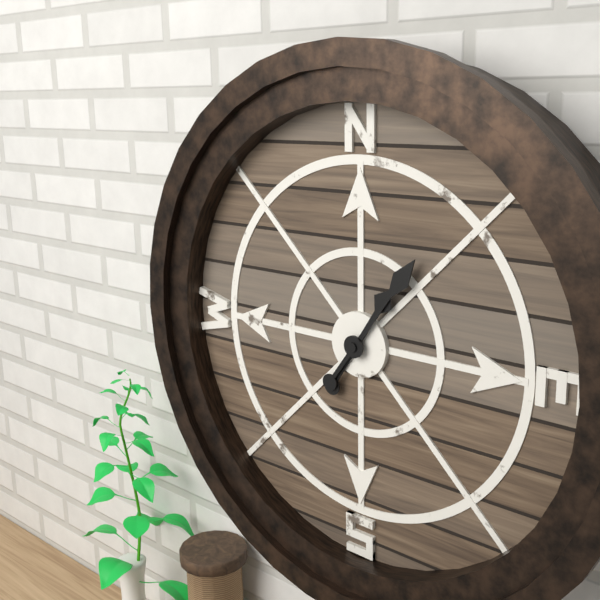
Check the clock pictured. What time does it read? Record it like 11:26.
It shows 1:06
